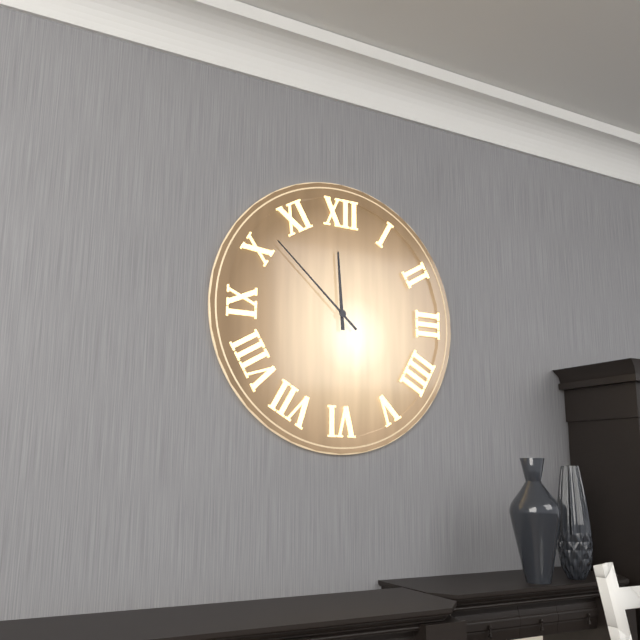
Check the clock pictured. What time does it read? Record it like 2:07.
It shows 11:52
